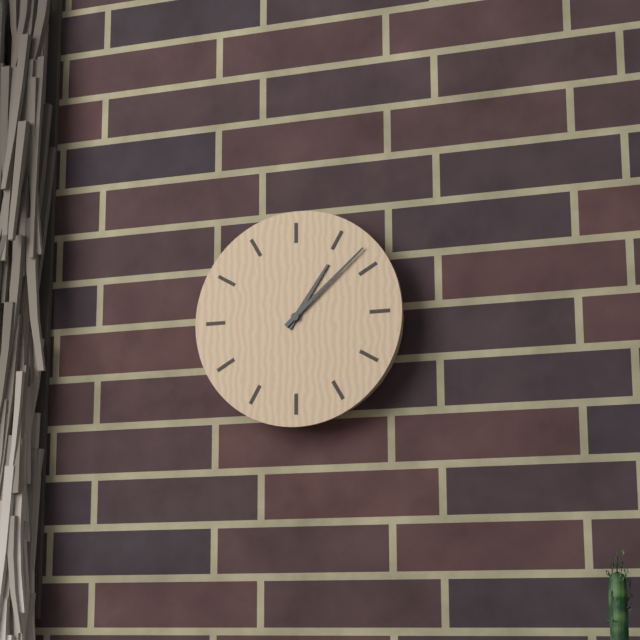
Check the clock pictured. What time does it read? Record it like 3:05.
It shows 1:08
